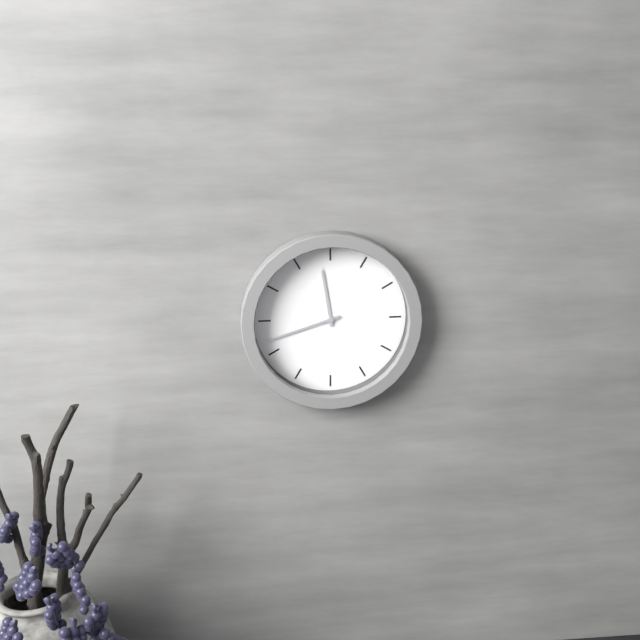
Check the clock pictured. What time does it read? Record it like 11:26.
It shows 11:42
